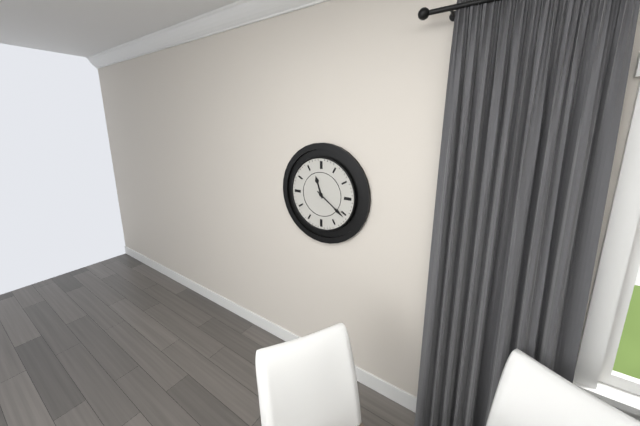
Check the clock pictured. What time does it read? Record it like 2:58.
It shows 11:21
